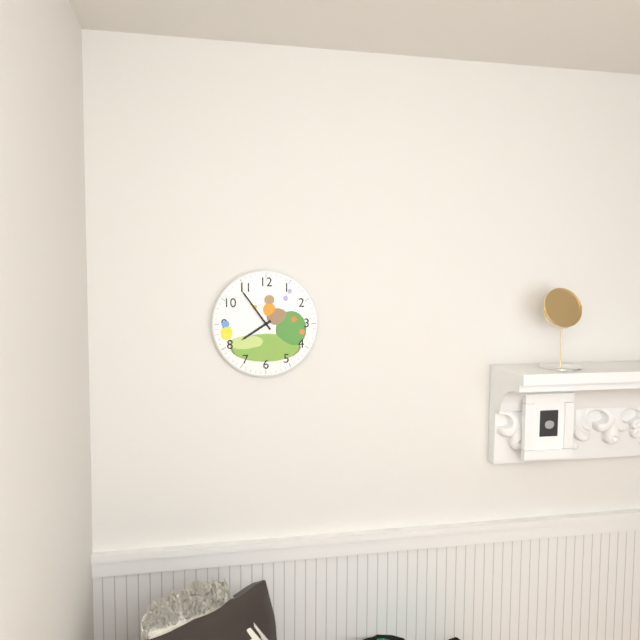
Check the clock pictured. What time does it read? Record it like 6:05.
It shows 7:54
